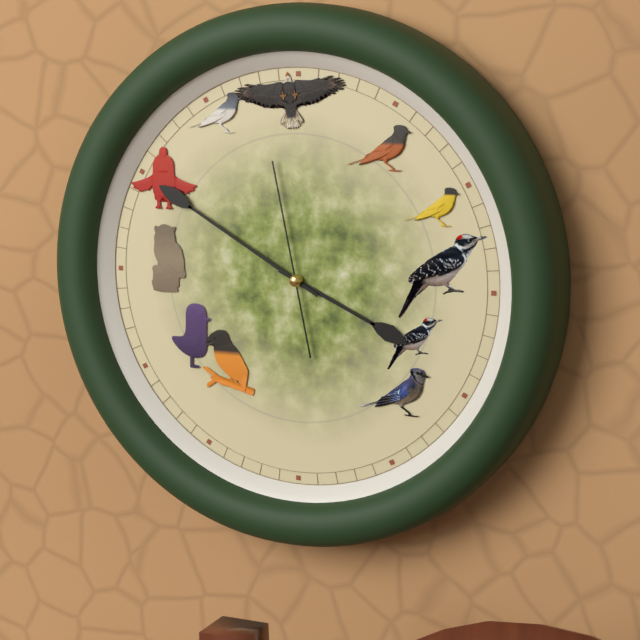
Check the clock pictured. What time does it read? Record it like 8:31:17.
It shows 3:50:58
